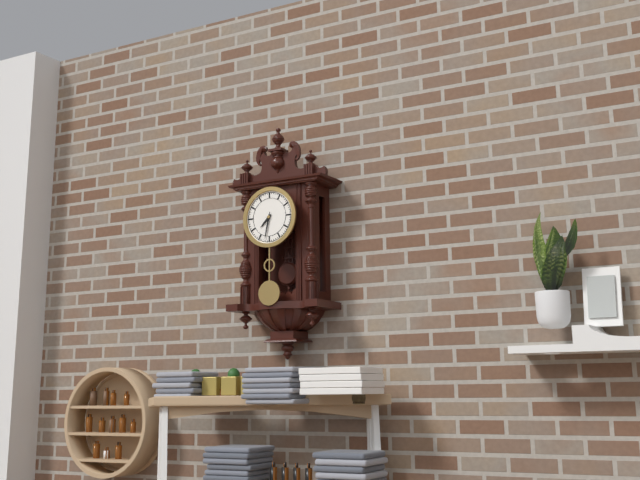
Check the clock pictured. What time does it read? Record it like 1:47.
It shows 7:32
